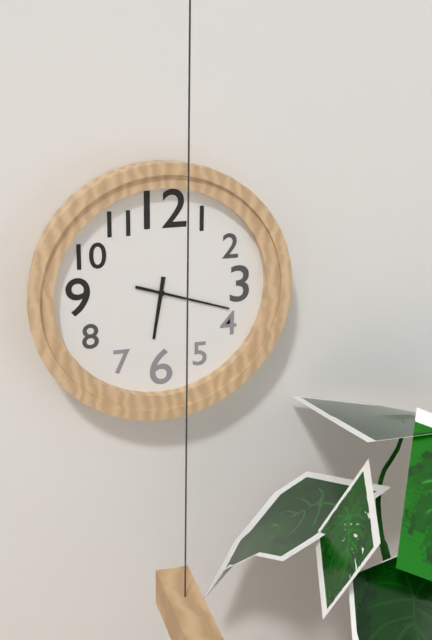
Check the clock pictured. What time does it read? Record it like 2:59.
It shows 6:18
